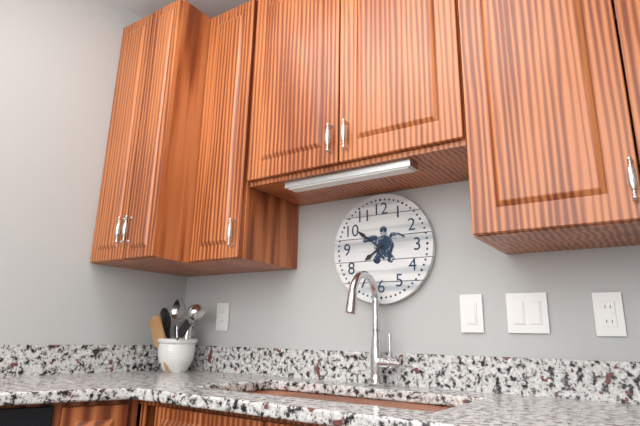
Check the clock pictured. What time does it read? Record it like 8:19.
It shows 7:51
